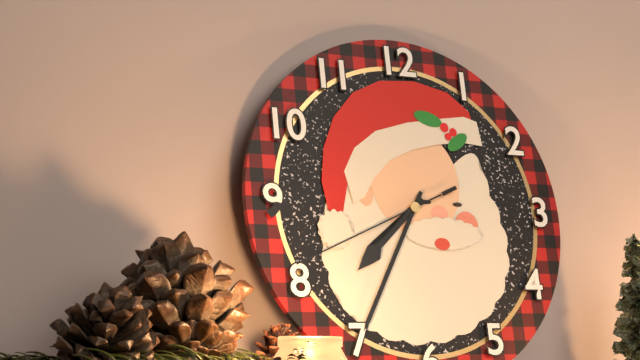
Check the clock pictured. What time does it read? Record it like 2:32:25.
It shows 7:35:41
